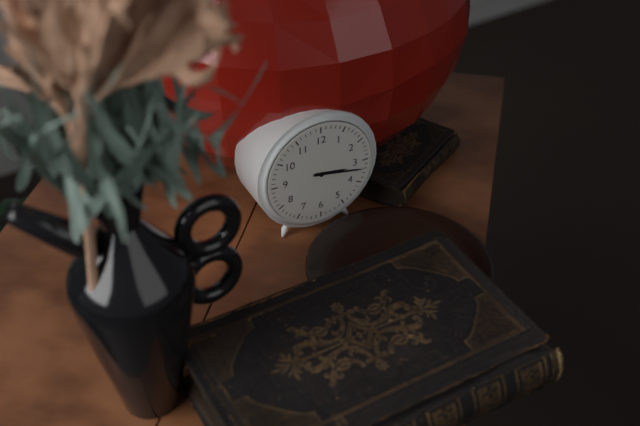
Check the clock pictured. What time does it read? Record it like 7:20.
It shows 3:17
